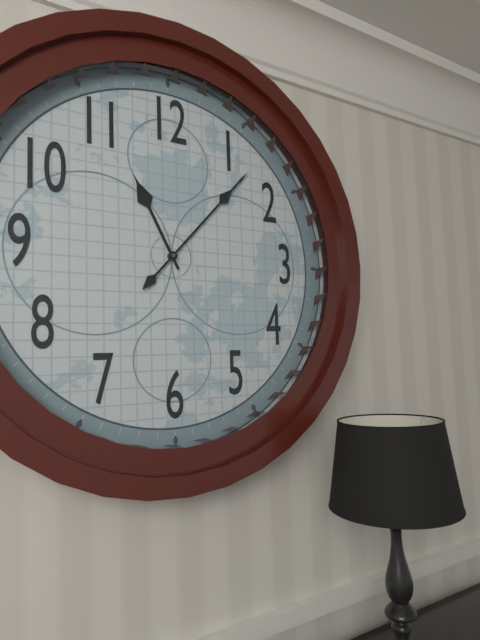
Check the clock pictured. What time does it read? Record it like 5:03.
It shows 11:07
